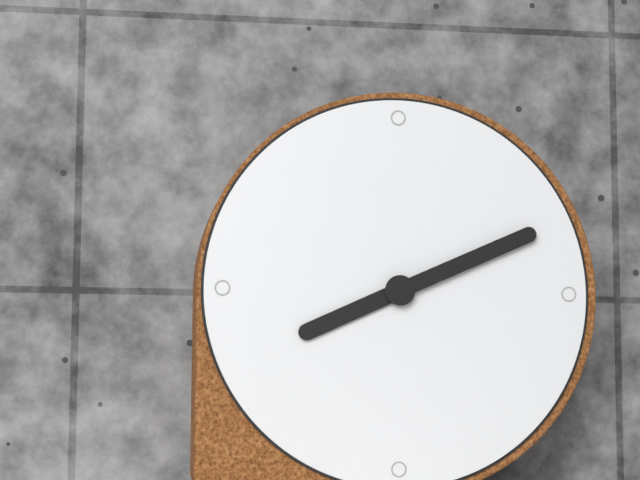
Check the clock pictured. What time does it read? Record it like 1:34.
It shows 8:11
